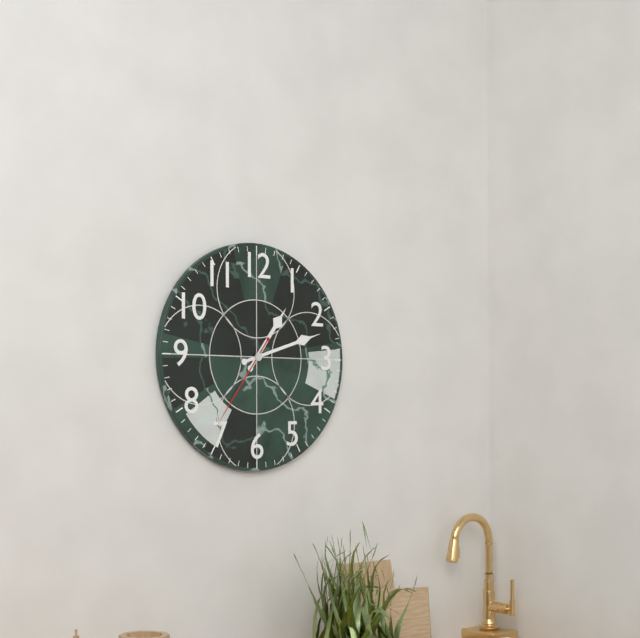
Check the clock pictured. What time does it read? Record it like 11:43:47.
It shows 1:12:36
